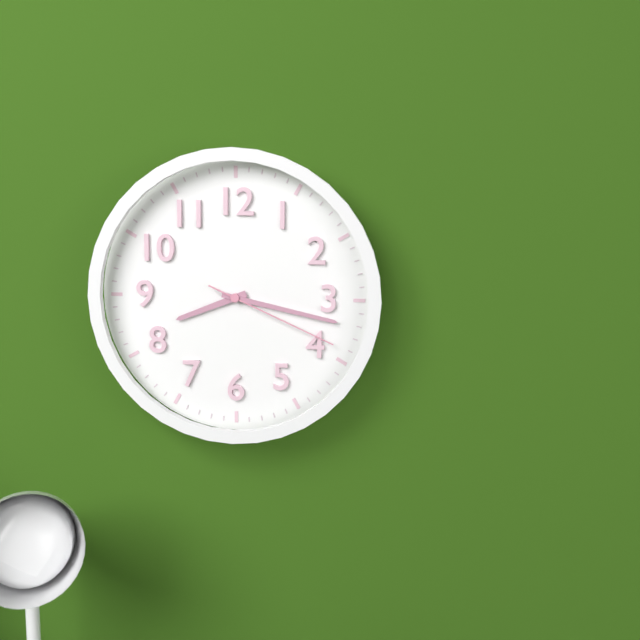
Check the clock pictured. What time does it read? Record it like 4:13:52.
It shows 8:17:19
